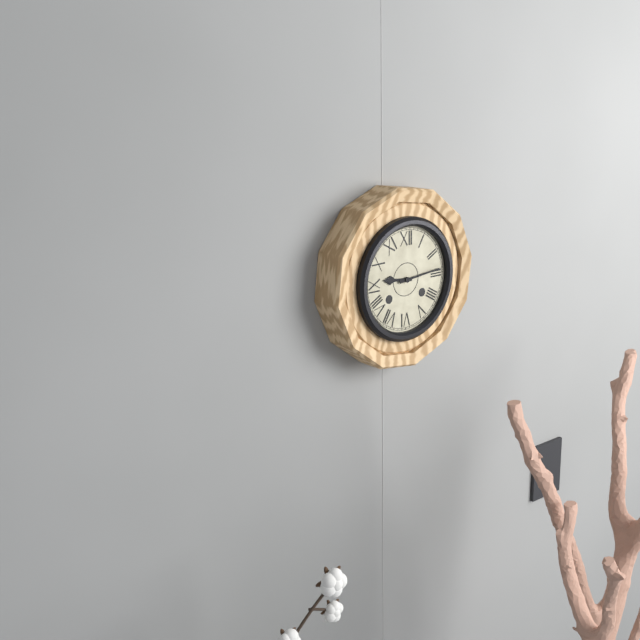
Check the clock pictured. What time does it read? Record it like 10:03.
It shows 9:14
